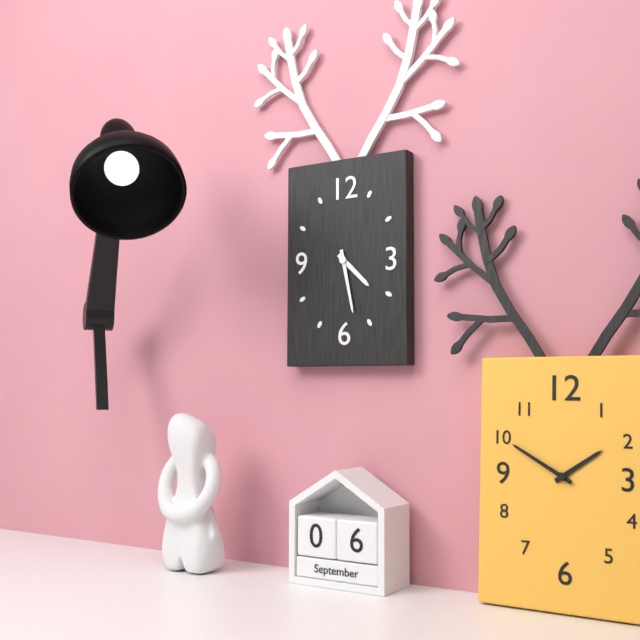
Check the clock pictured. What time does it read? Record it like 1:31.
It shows 4:28
